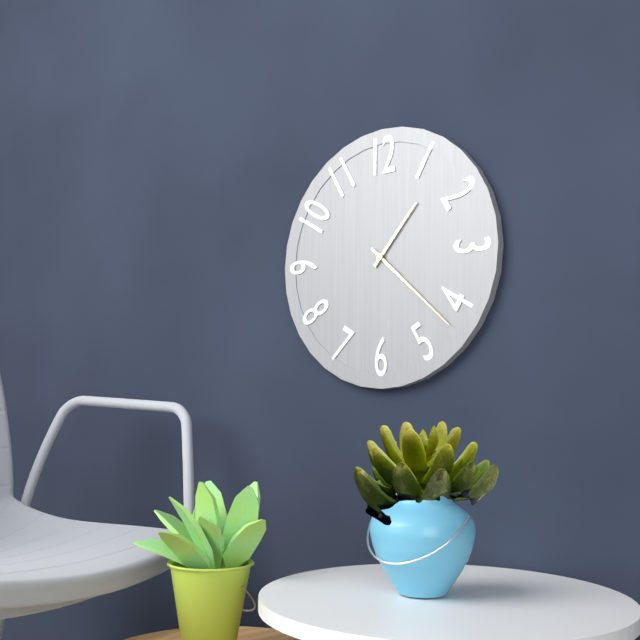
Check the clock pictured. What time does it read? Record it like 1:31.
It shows 1:22
